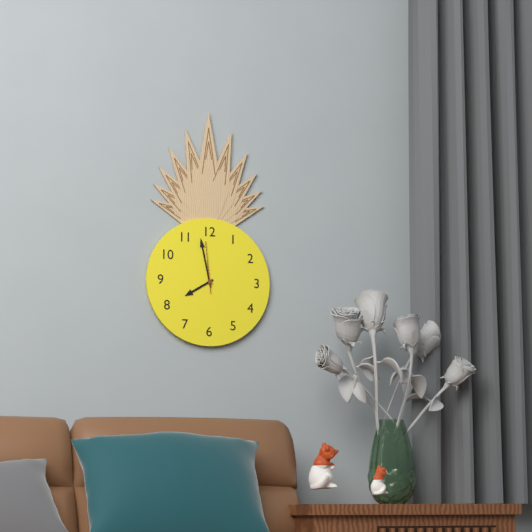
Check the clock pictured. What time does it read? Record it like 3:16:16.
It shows 7:58:59
